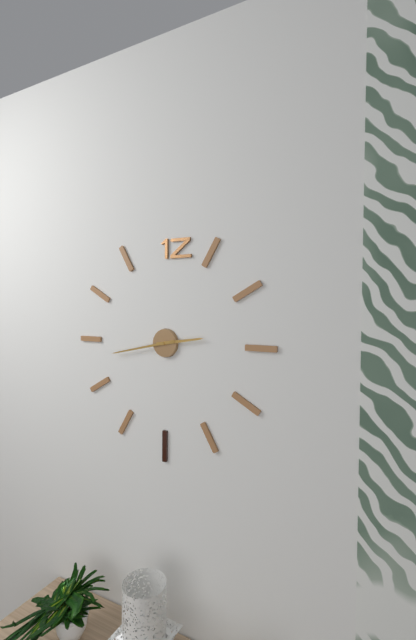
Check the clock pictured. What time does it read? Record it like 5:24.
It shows 2:43
